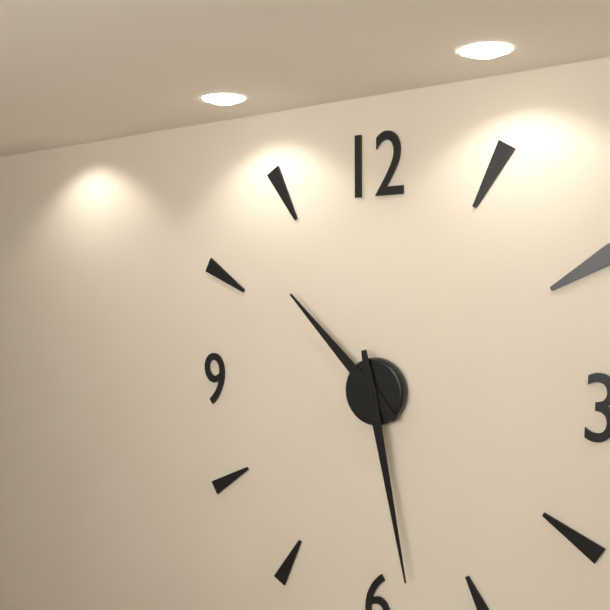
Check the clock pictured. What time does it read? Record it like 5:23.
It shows 10:28
